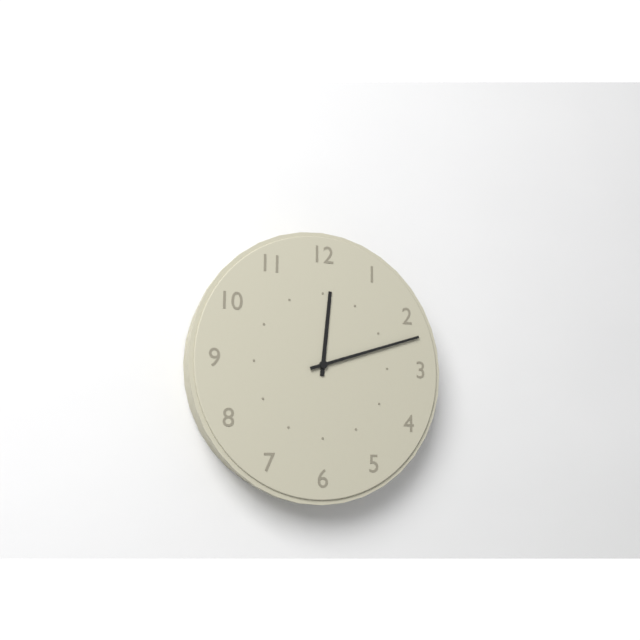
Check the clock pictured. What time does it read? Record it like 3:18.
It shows 12:12
